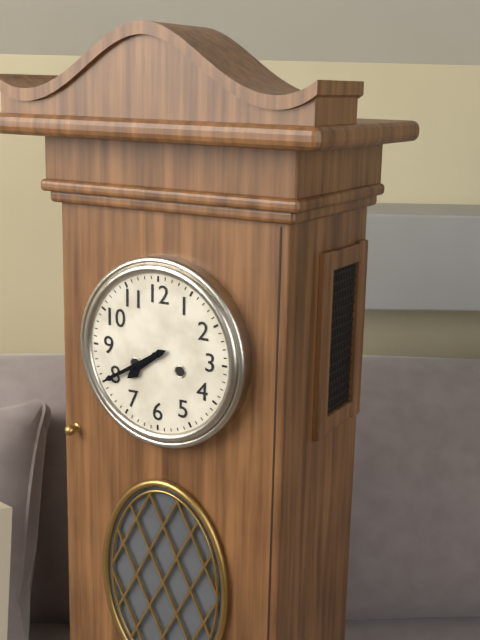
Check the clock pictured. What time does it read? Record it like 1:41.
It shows 7:40
